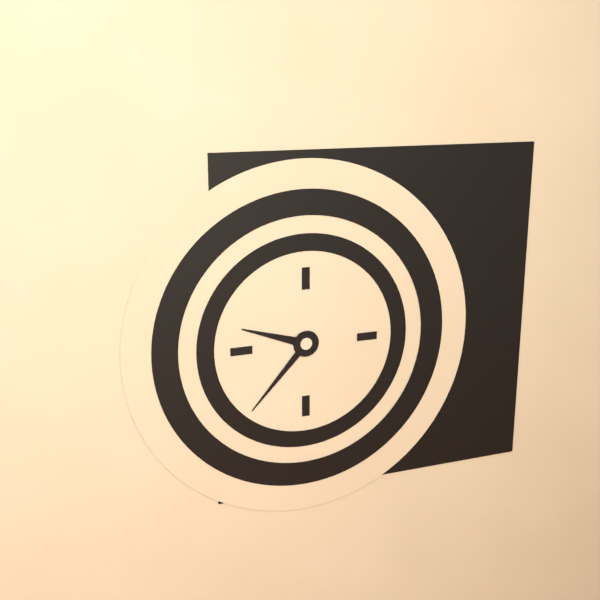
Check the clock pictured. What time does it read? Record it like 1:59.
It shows 9:37
